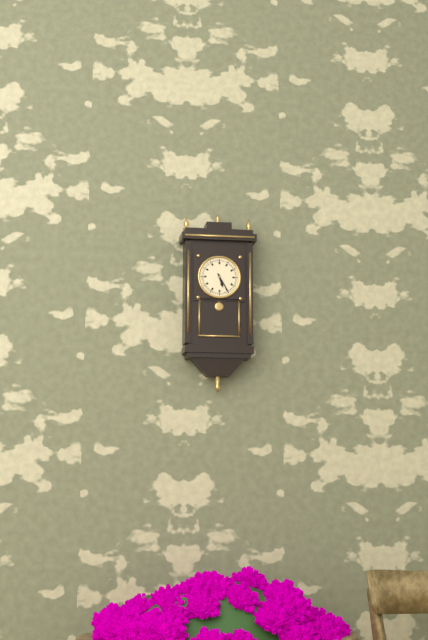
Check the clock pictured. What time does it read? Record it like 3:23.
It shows 5:25
